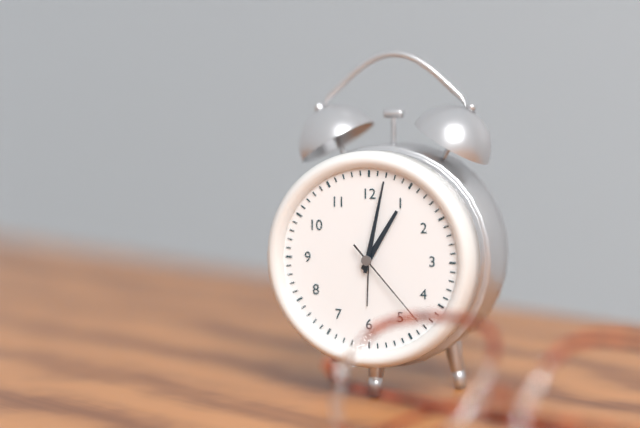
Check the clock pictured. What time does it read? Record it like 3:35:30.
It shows 1:02:23
